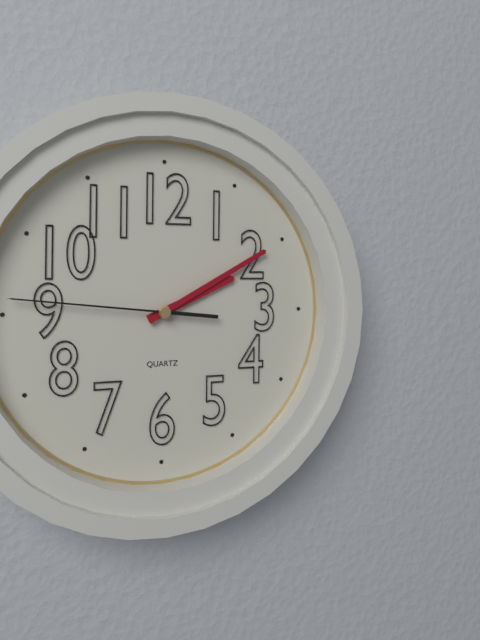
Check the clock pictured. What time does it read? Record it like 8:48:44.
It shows 2:10:46
